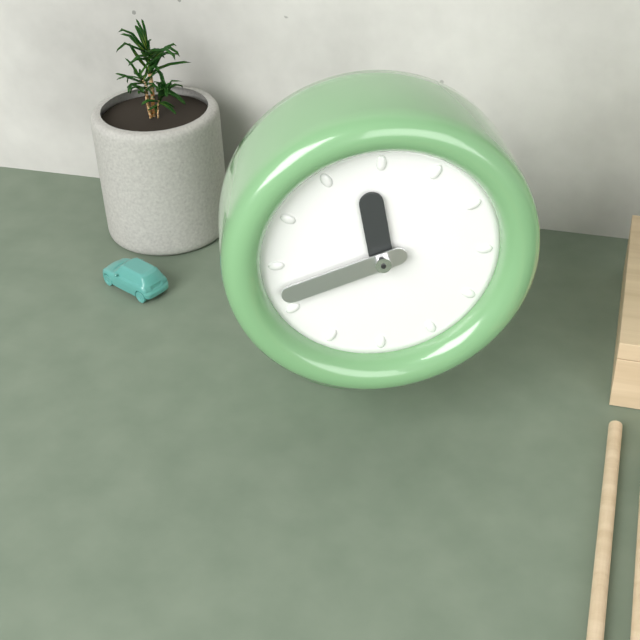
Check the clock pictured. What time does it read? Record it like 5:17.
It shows 11:42
